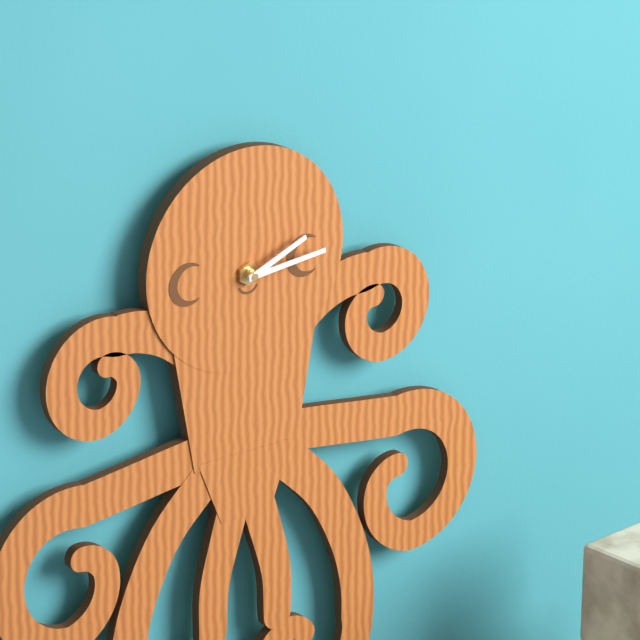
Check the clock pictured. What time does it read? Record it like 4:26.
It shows 2:14
